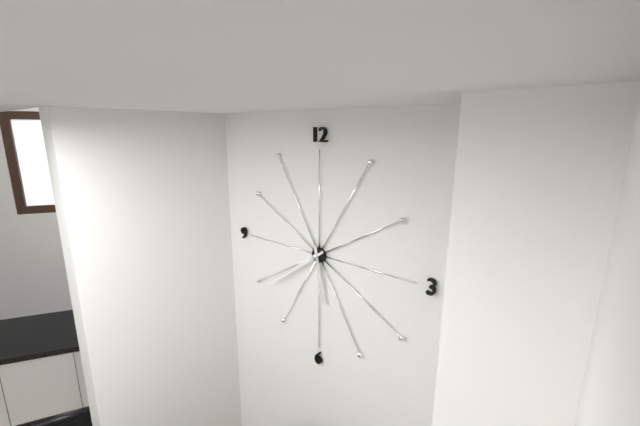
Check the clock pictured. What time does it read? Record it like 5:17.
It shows 5:39
